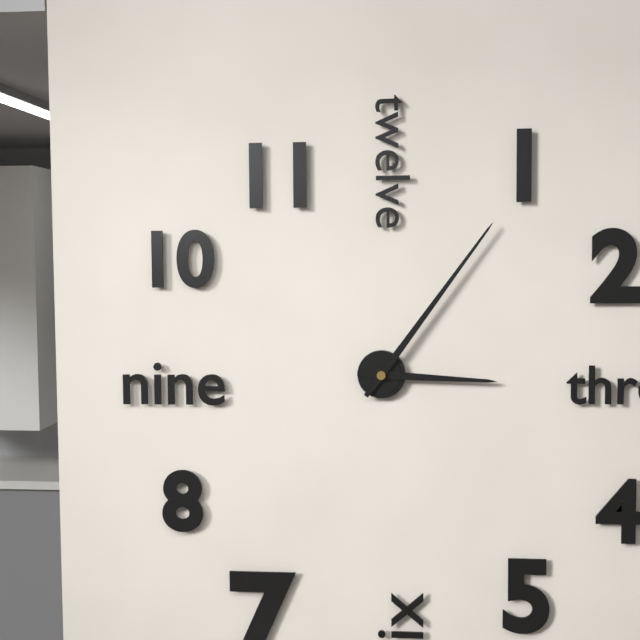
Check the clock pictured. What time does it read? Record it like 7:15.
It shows 3:06
